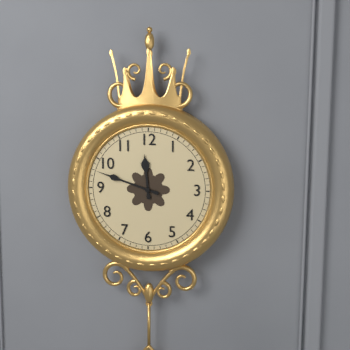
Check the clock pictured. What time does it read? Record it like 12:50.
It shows 11:48
